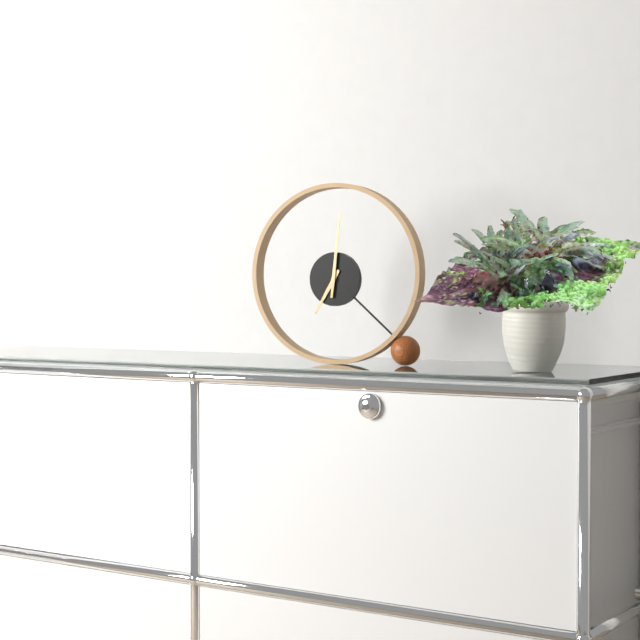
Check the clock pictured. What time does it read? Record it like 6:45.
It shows 7:01
